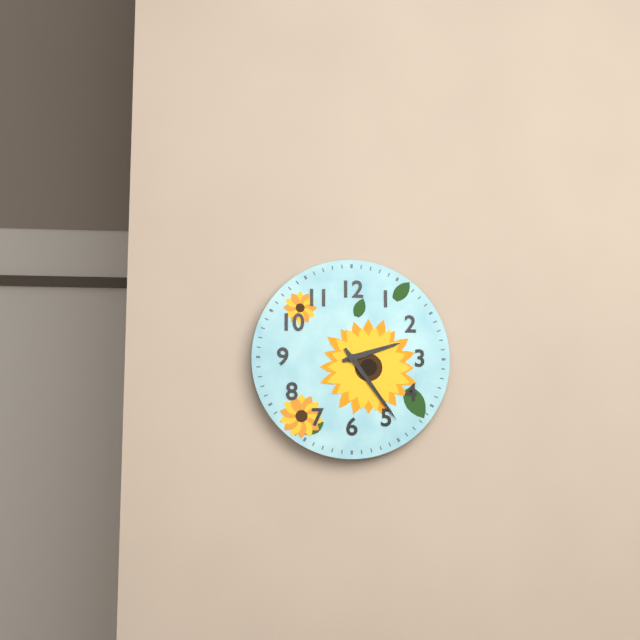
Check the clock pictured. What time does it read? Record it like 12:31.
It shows 2:24
